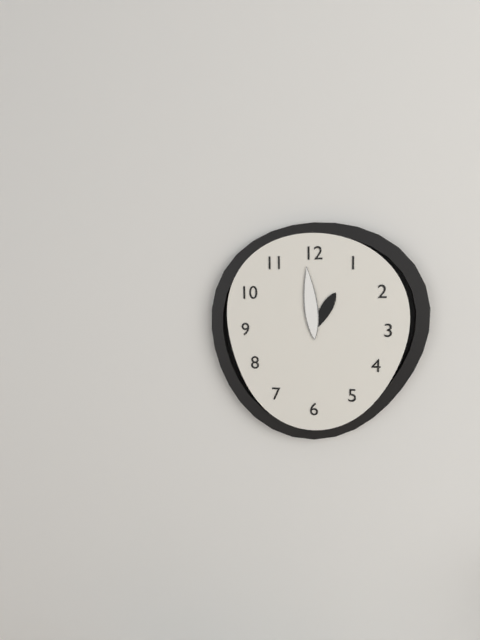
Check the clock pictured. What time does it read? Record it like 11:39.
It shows 12:59
